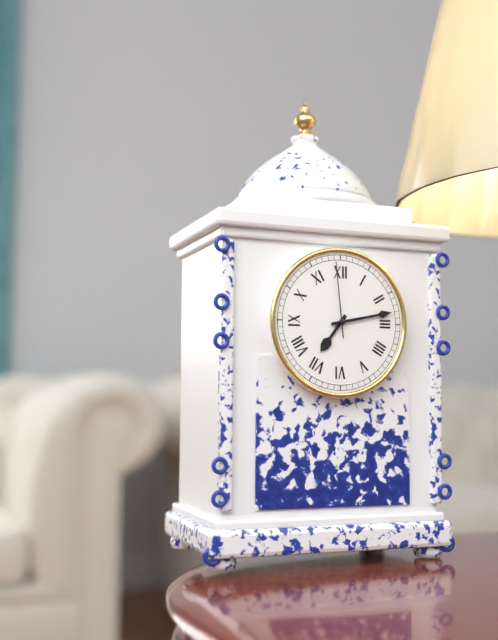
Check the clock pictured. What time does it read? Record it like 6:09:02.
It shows 7:13:59
